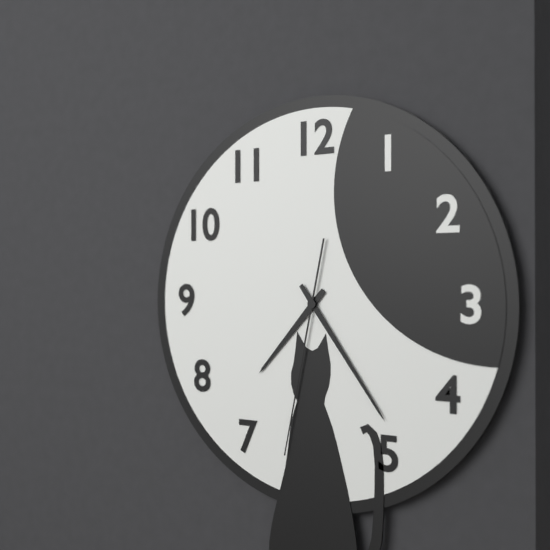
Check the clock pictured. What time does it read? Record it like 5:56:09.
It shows 7:24:32
